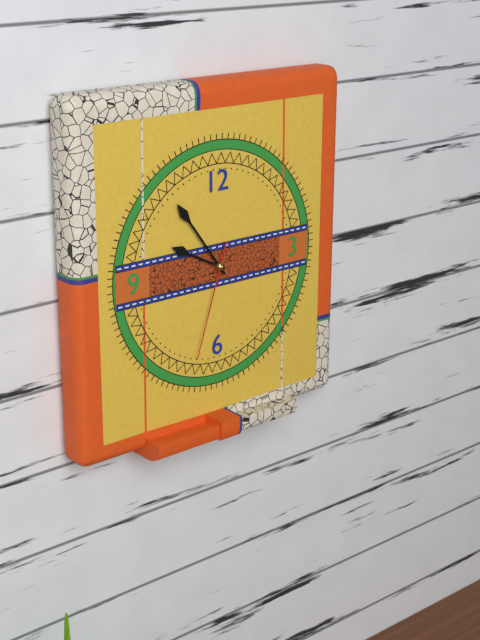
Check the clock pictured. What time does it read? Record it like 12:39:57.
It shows 9:54:33
